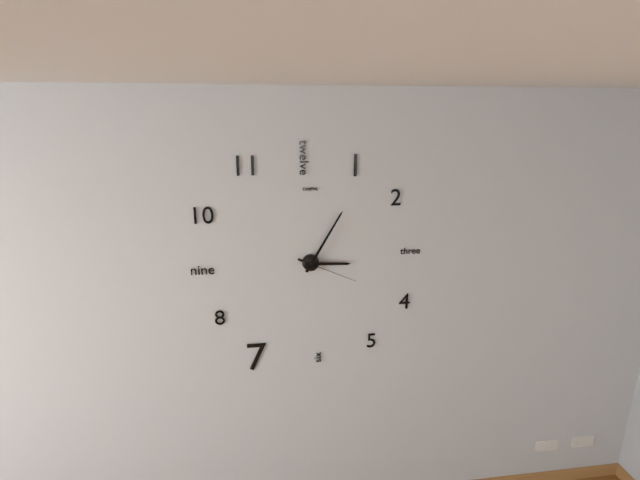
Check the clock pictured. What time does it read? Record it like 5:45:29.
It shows 3:05:19
